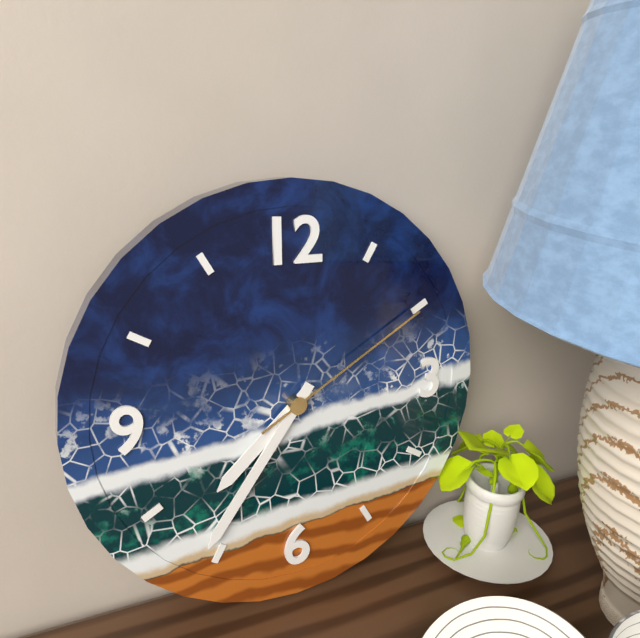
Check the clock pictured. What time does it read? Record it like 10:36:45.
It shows 7:36:10
